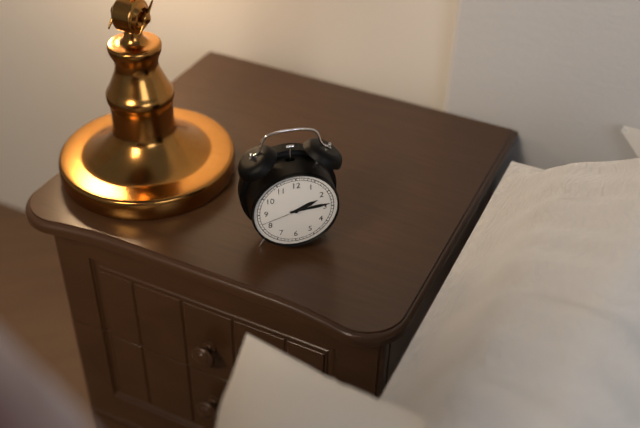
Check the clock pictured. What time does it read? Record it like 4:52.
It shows 2:14
